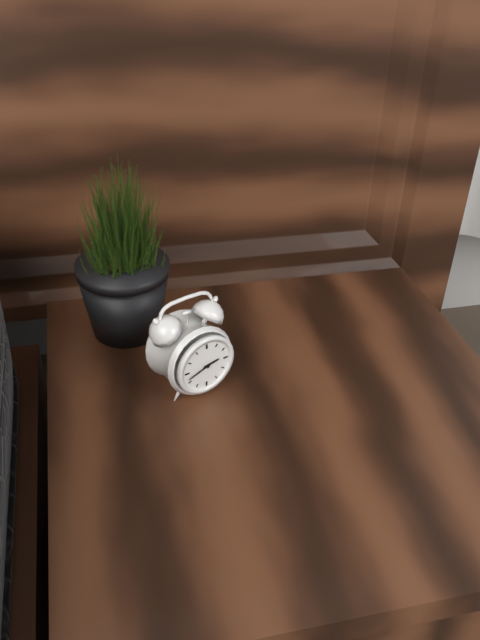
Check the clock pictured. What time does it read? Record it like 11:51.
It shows 2:42
